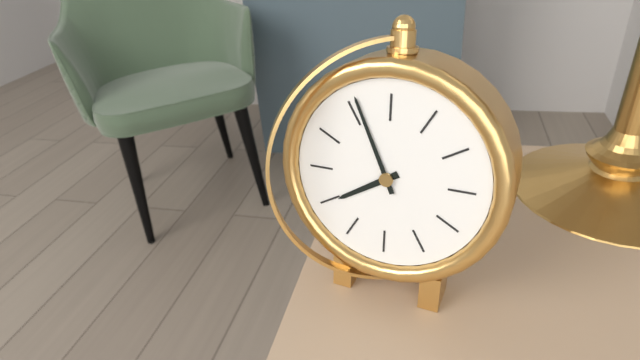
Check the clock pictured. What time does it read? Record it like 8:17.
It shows 7:56
